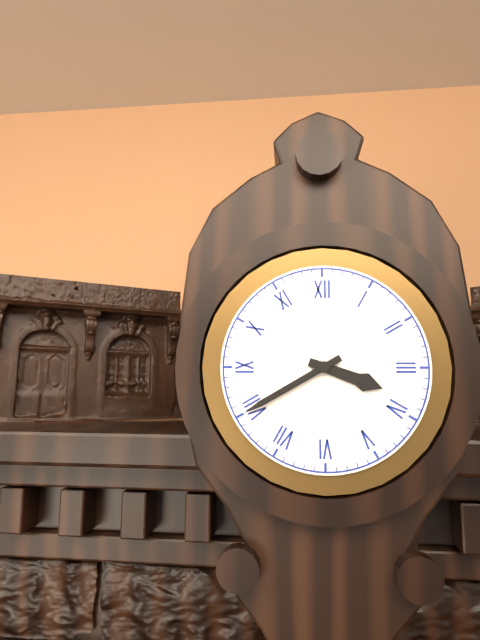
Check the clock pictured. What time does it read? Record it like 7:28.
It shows 3:40
